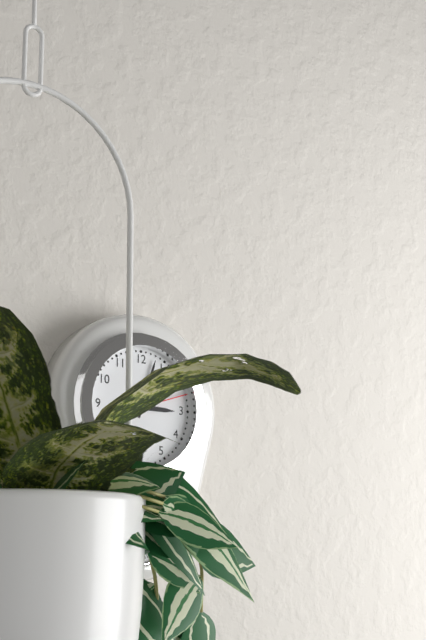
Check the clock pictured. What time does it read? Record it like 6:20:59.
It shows 3:03:12
